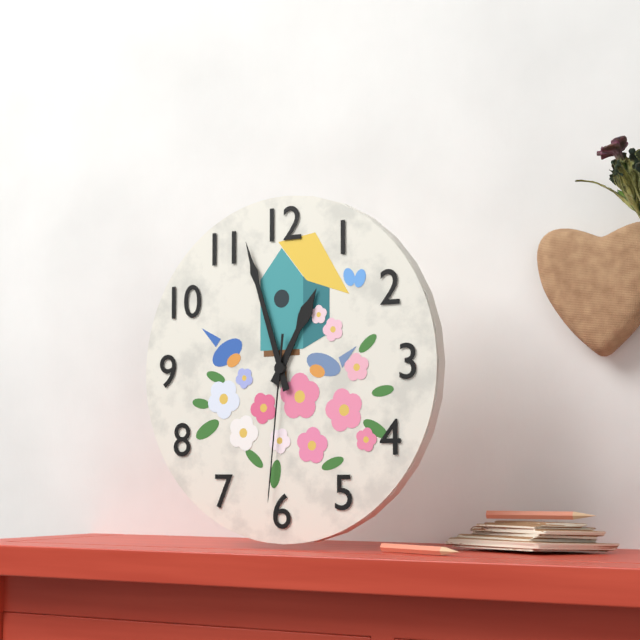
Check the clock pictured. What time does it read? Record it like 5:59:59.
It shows 12:57:31
